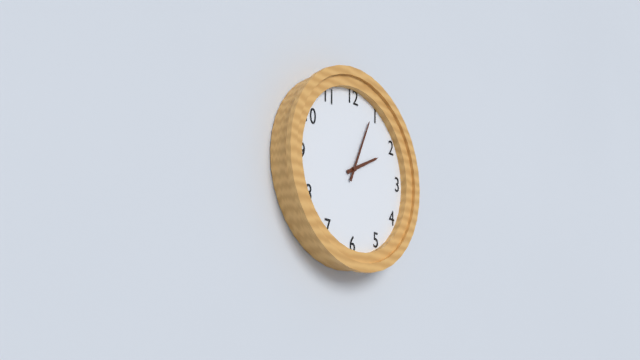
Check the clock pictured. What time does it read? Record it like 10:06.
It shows 2:04
